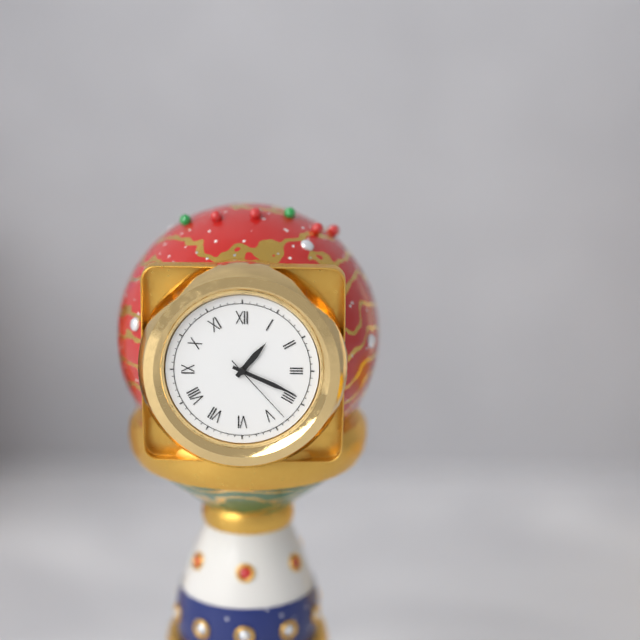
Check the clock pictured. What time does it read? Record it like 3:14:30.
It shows 1:19:23
